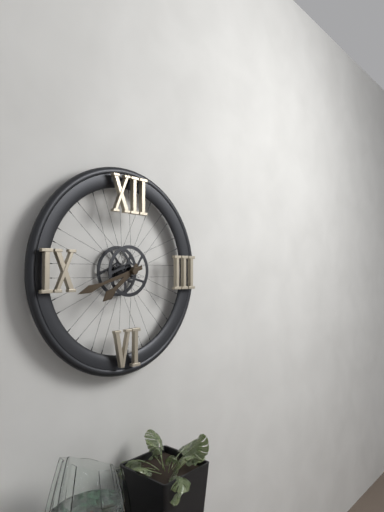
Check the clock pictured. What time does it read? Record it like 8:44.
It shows 7:42
